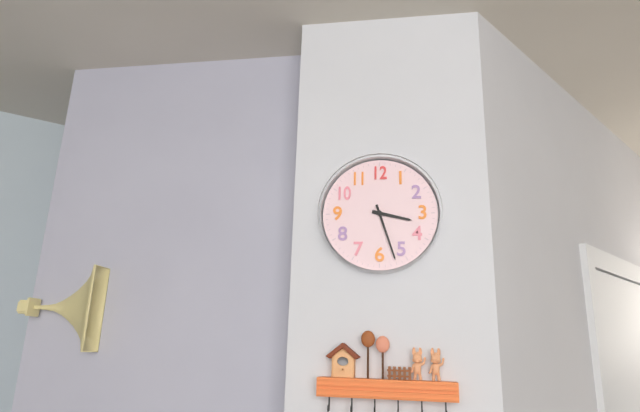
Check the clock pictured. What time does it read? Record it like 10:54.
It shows 3:27
